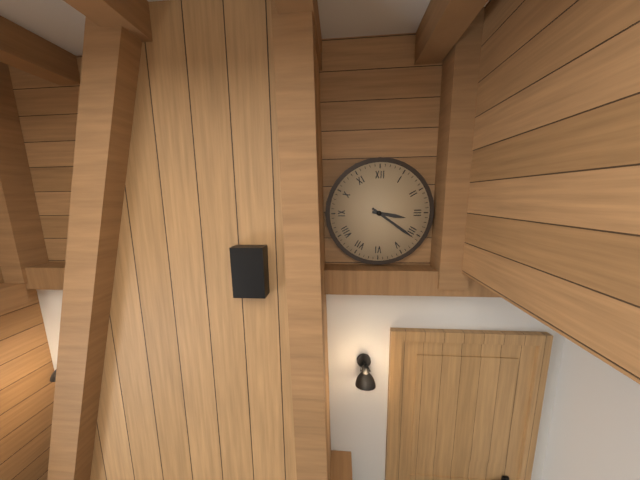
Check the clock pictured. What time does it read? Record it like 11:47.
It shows 3:21
